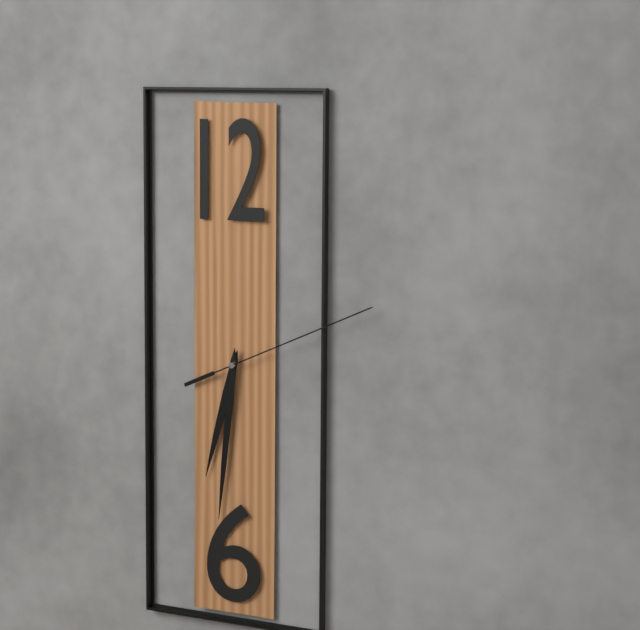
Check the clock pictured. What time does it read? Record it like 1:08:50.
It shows 6:31:11
